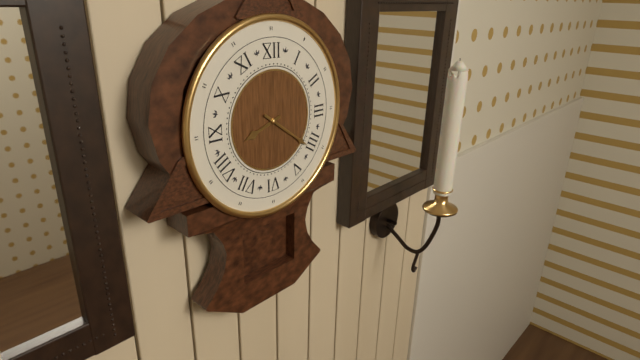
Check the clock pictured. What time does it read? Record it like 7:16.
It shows 8:21
